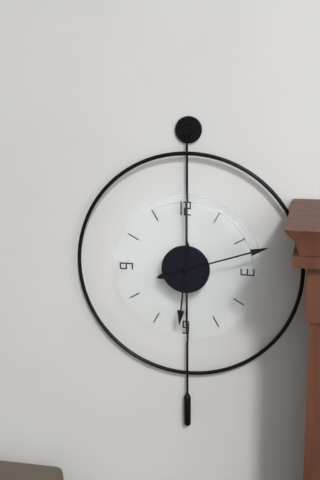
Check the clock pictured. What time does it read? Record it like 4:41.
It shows 6:12
